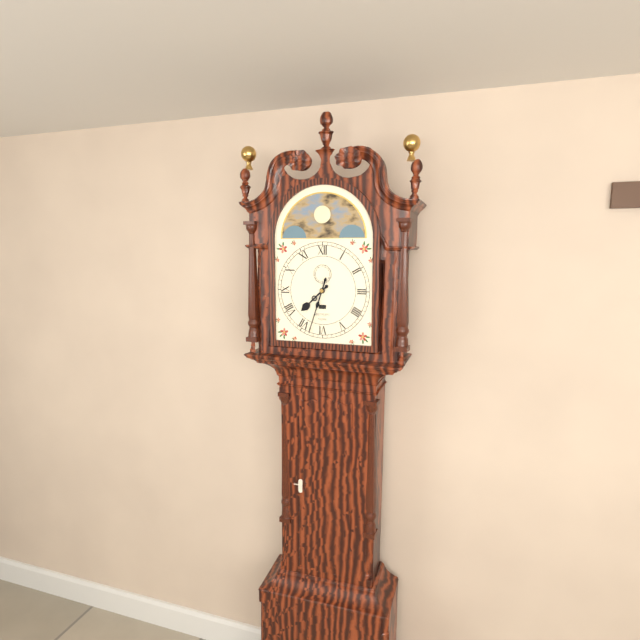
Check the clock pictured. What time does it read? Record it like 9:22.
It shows 7:33
